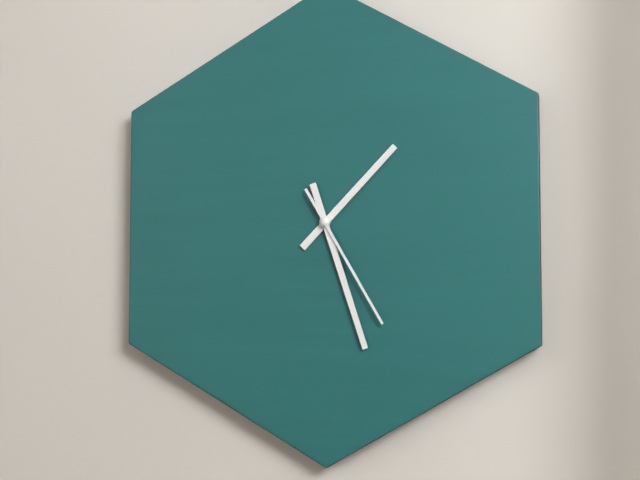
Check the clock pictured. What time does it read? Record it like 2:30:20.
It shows 1:27:25
